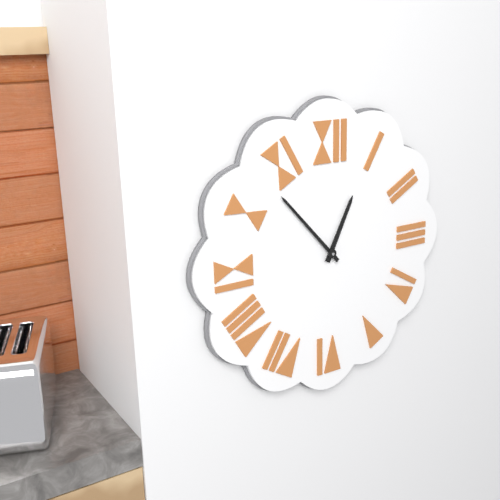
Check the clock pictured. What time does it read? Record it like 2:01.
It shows 12:53
